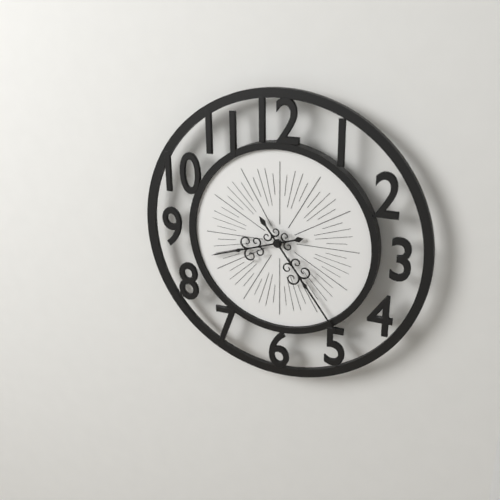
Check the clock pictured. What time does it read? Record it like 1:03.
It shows 8:24
